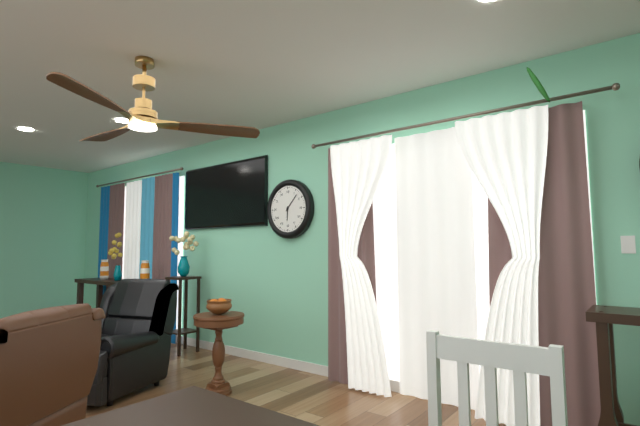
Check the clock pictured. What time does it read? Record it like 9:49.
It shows 6:07
